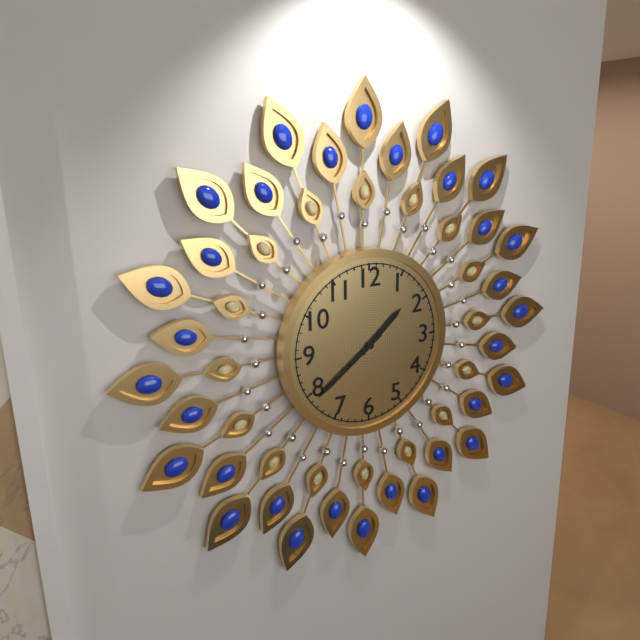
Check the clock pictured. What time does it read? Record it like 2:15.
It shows 1:39
